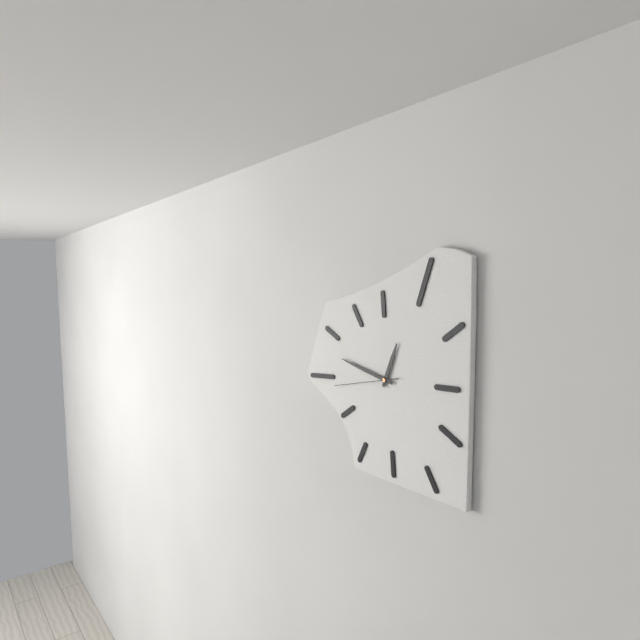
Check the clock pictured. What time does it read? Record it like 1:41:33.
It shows 12:47:43
